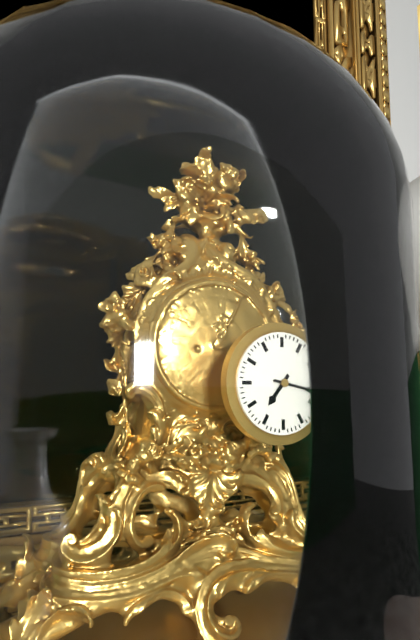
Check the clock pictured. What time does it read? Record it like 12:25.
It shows 7:17
